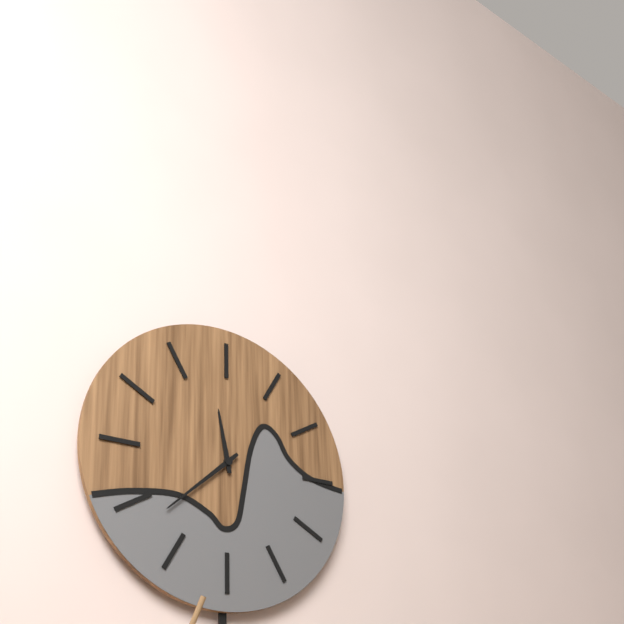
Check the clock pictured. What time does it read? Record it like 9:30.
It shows 11:38
